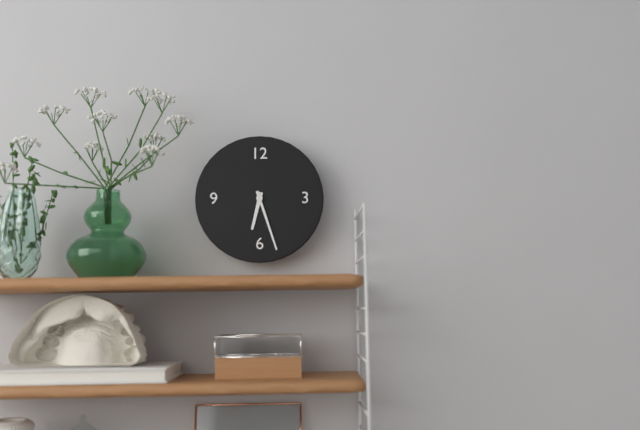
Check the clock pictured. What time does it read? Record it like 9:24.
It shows 6:27
